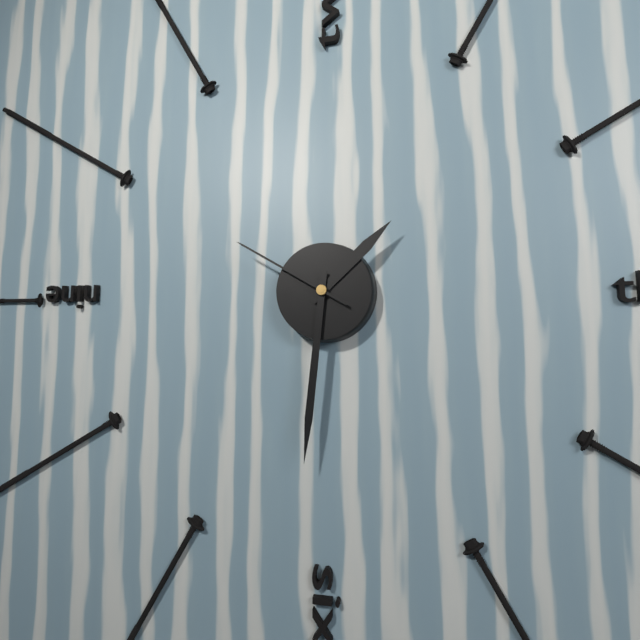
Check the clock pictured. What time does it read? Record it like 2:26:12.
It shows 1:31:50
